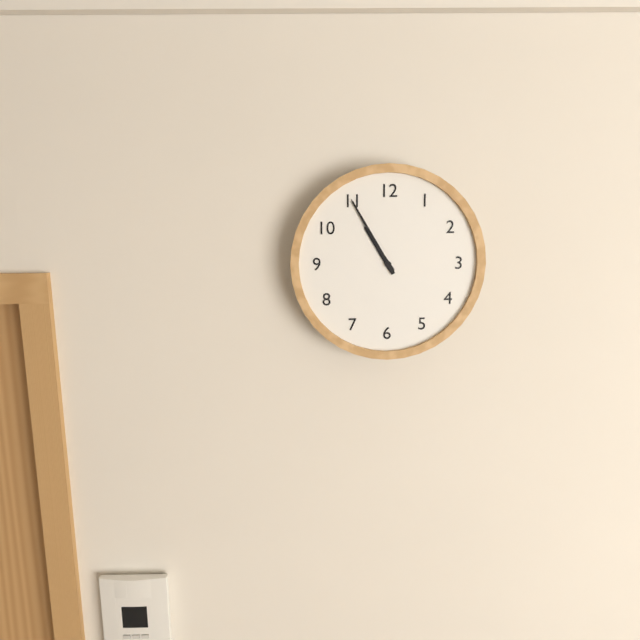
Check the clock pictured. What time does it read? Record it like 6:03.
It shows 10:55
